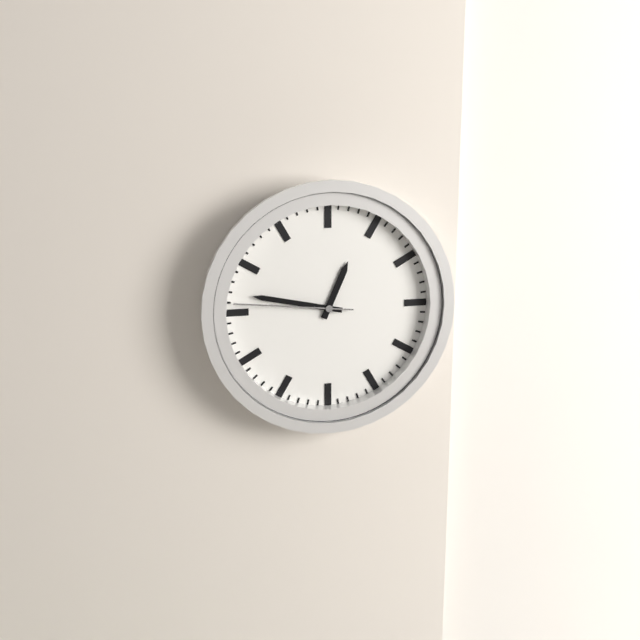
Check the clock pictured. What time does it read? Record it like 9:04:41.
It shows 12:47:46
